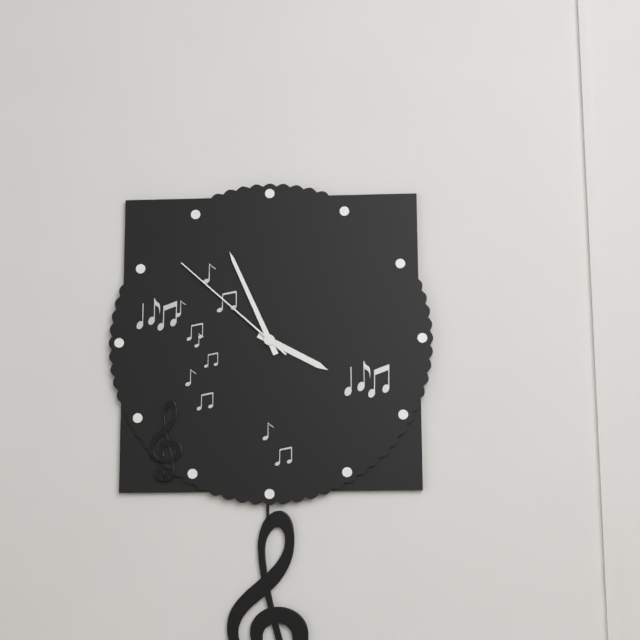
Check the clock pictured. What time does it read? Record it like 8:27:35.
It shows 3:56:52
